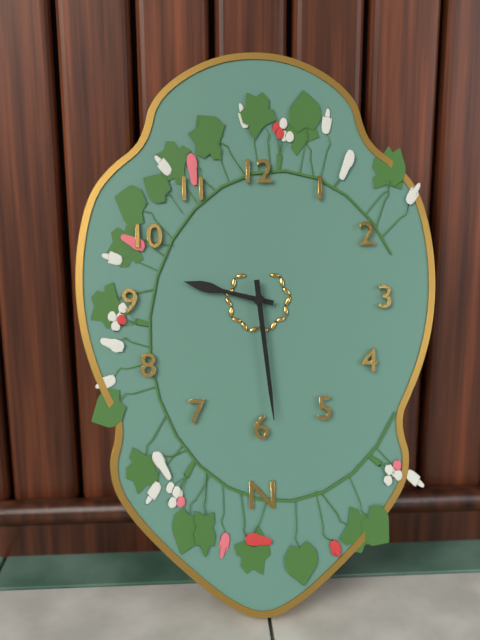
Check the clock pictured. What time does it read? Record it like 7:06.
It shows 9:29
